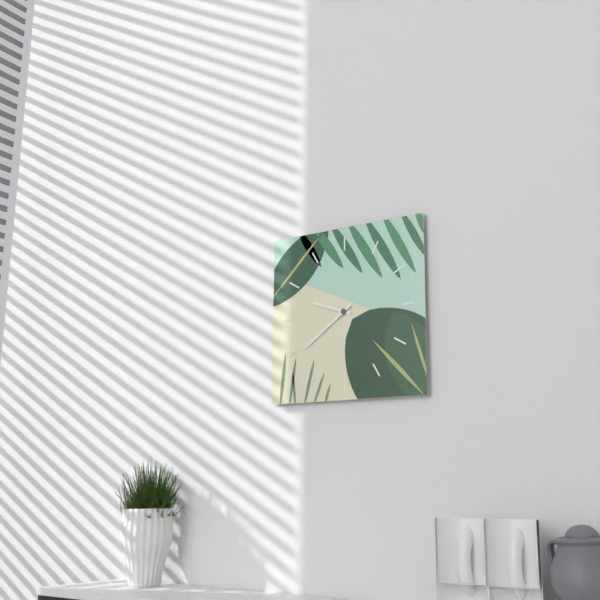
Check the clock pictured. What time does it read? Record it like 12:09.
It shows 9:39
